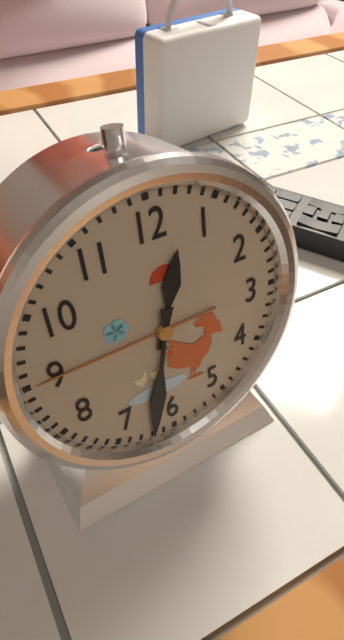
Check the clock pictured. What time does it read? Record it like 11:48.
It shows 12:32
